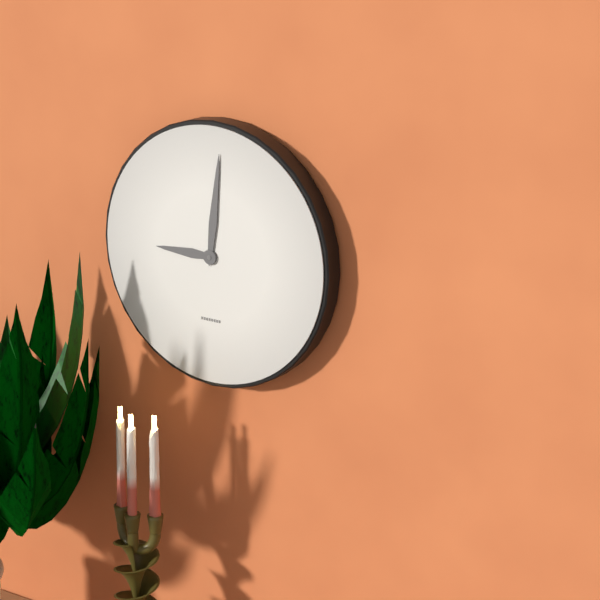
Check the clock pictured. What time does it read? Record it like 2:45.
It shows 9:01
